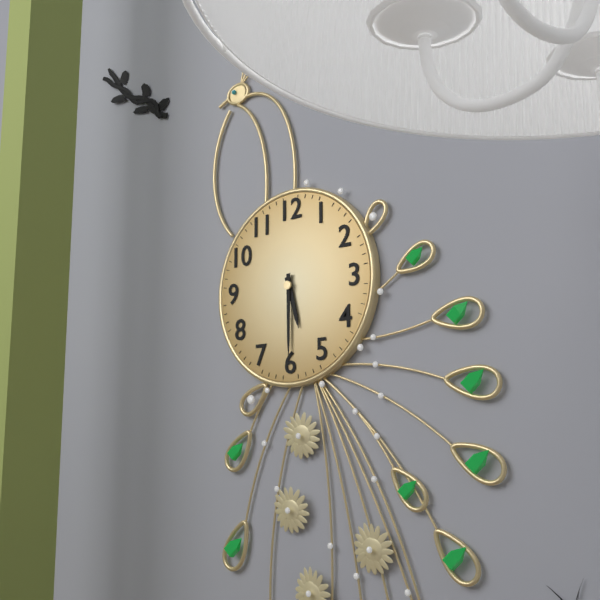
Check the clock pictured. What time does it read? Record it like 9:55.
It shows 5:30
